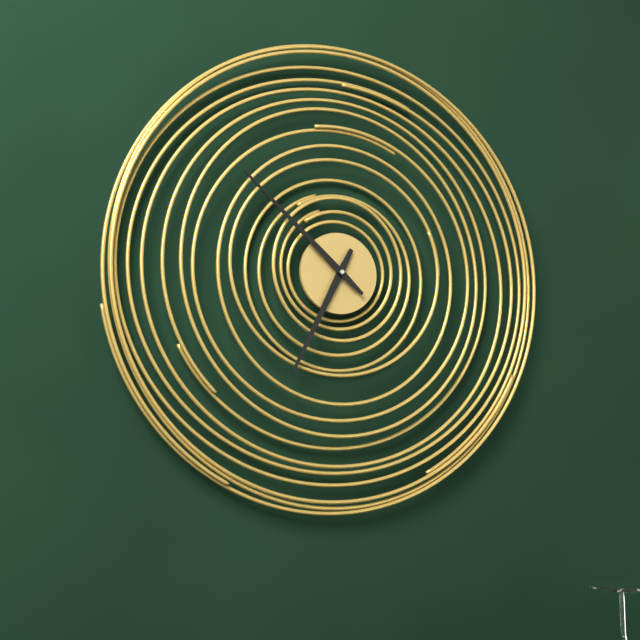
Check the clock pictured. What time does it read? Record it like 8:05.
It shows 6:52
